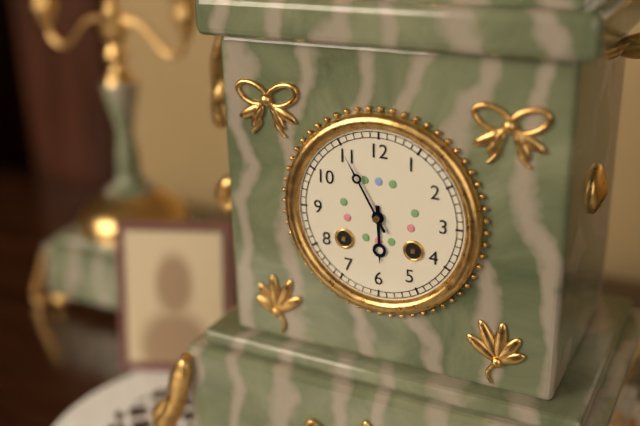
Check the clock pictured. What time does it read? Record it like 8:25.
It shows 5:55
